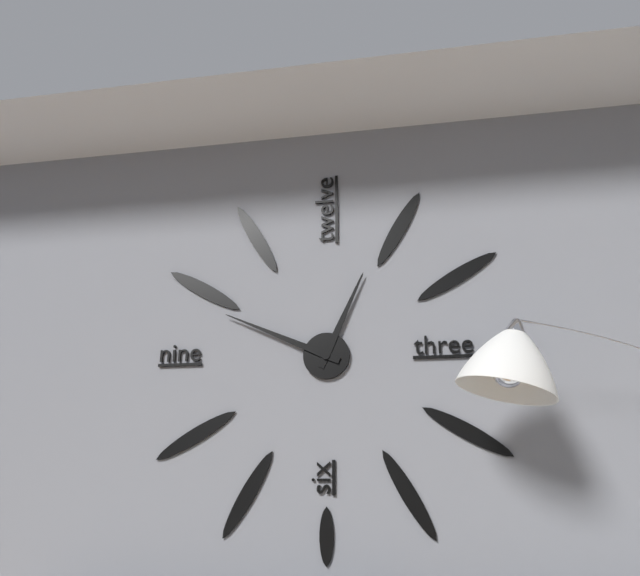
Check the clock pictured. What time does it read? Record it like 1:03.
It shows 12:49
